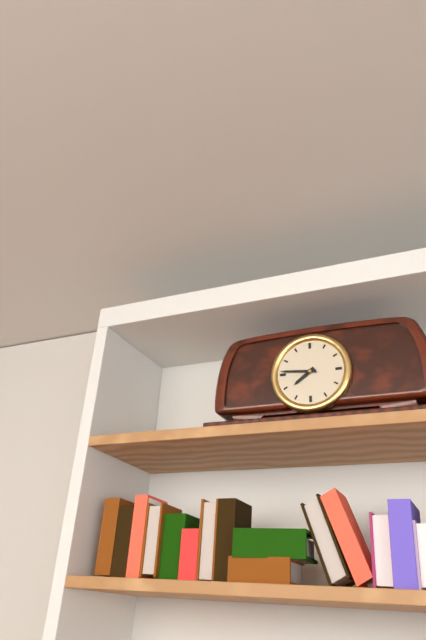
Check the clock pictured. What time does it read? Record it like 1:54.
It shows 7:46
